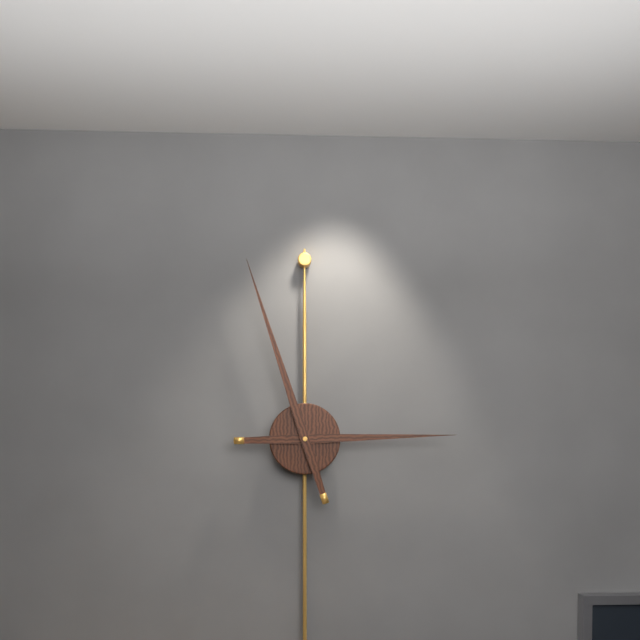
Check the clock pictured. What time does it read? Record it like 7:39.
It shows 2:57
